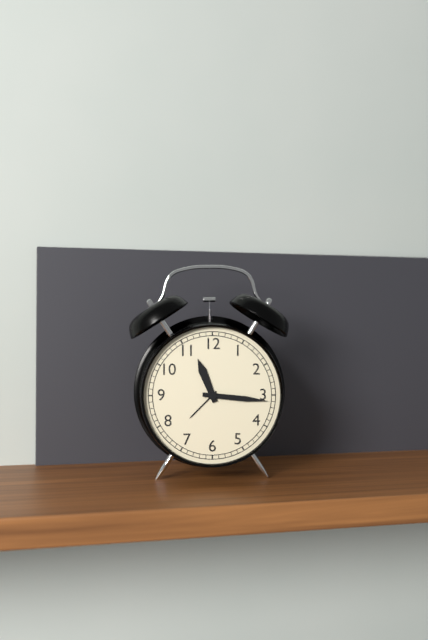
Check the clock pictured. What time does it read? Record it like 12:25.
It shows 11:16
